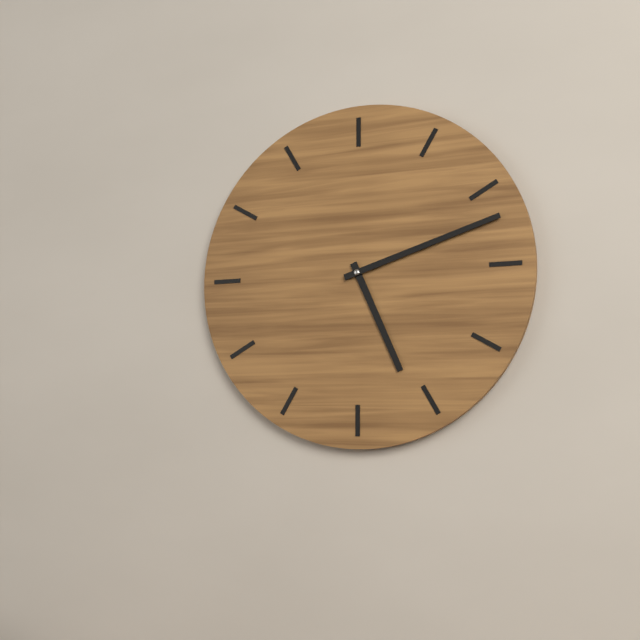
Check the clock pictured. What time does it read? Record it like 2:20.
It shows 5:12
